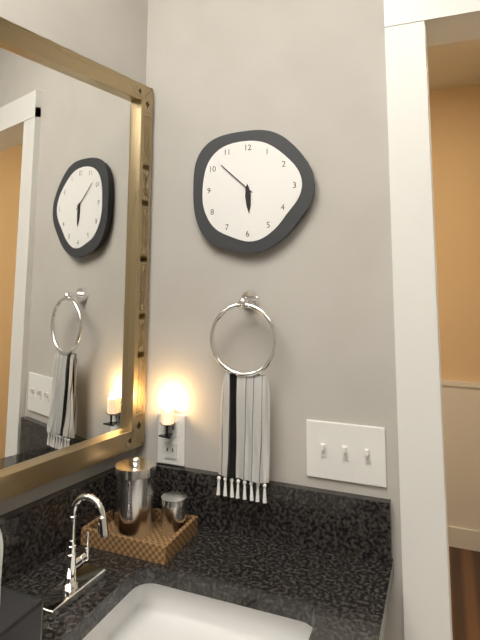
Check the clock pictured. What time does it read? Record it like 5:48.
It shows 5:52
